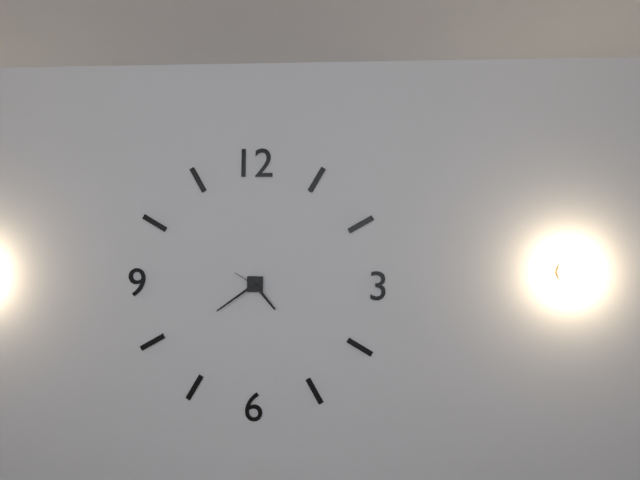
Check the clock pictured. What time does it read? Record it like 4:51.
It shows 4:39
